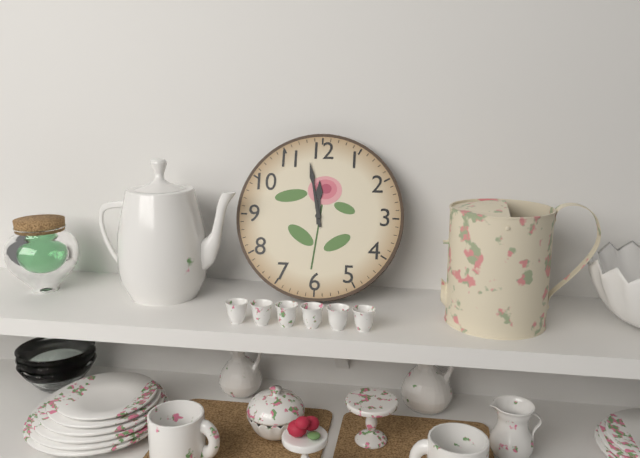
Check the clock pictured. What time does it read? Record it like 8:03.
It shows 11:58
